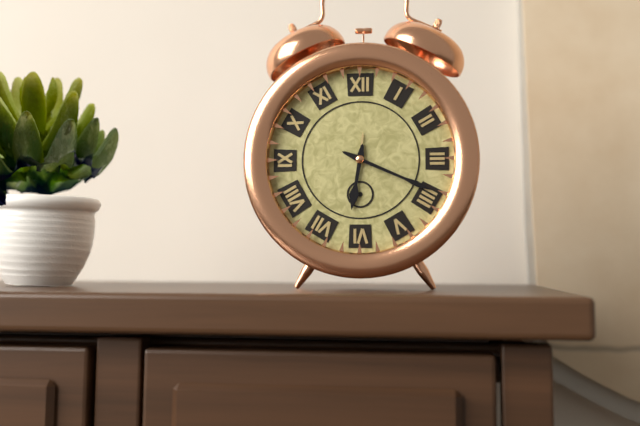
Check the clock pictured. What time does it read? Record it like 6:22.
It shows 6:19
